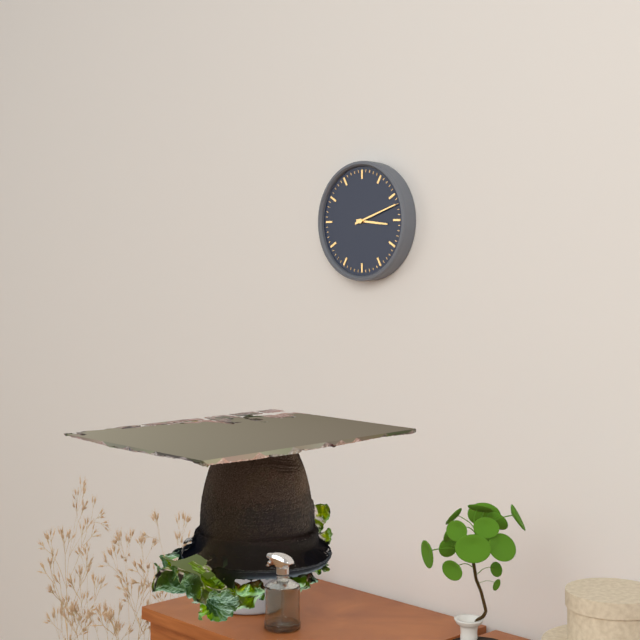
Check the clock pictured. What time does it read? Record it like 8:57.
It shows 3:12
